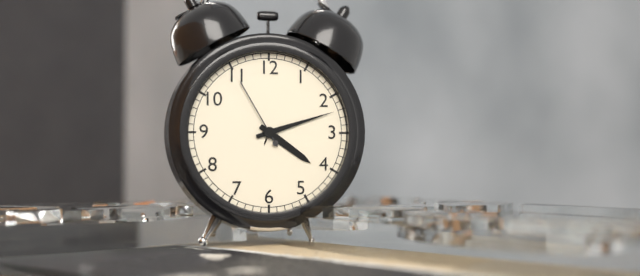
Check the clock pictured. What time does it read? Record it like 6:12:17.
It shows 4:12:55
